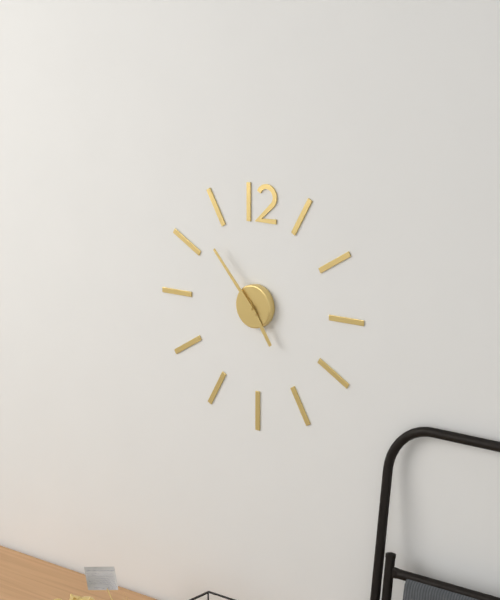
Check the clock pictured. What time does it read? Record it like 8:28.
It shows 4:53
